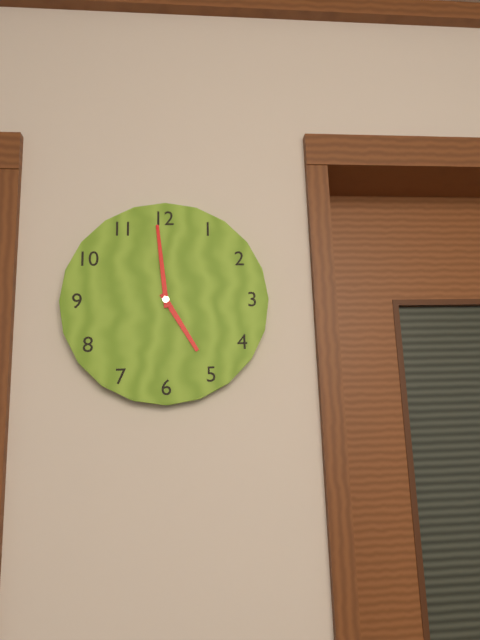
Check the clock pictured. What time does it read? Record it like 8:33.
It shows 4:59
